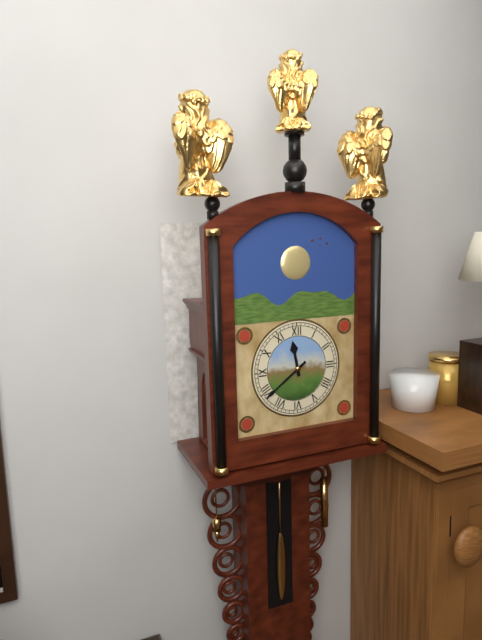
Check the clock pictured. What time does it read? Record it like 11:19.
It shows 11:39
